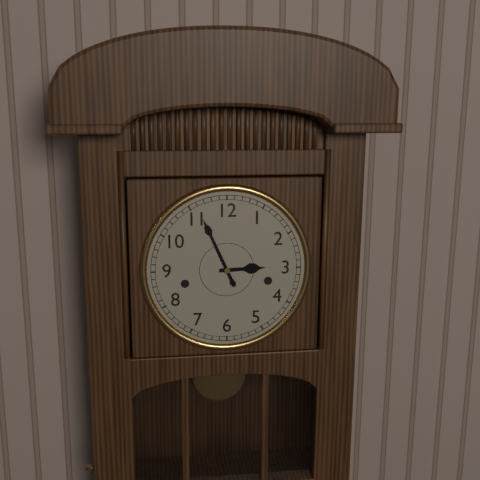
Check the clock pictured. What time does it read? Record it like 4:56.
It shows 2:56
